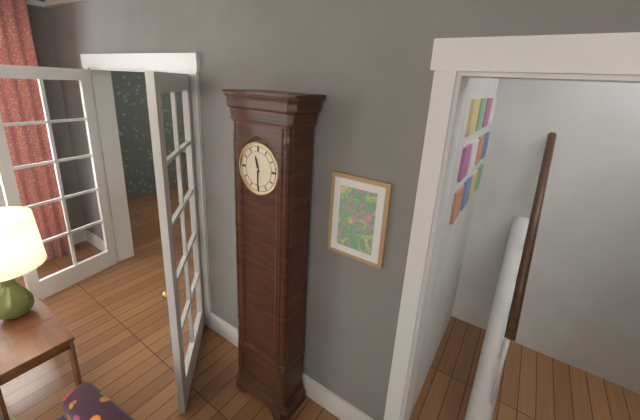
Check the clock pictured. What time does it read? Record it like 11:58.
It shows 11:30
